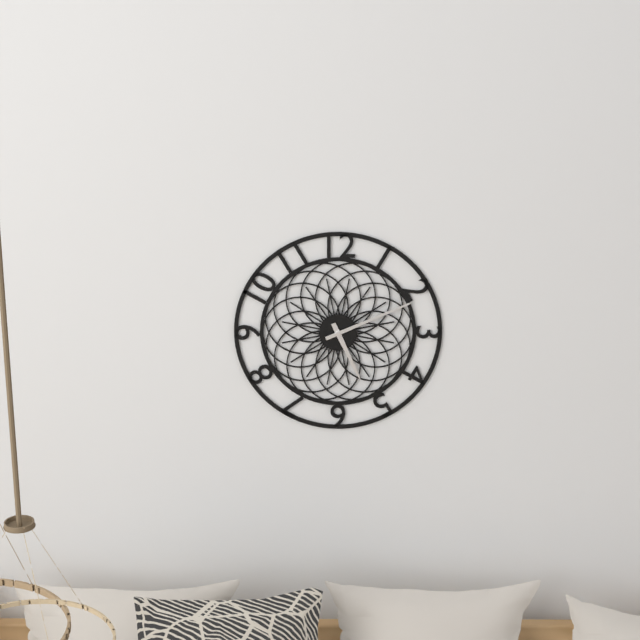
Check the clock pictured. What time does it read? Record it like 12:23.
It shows 5:11
